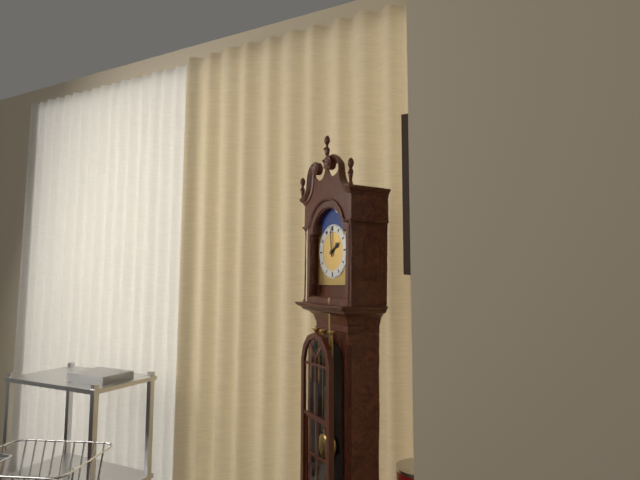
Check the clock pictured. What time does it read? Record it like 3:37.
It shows 1:59
